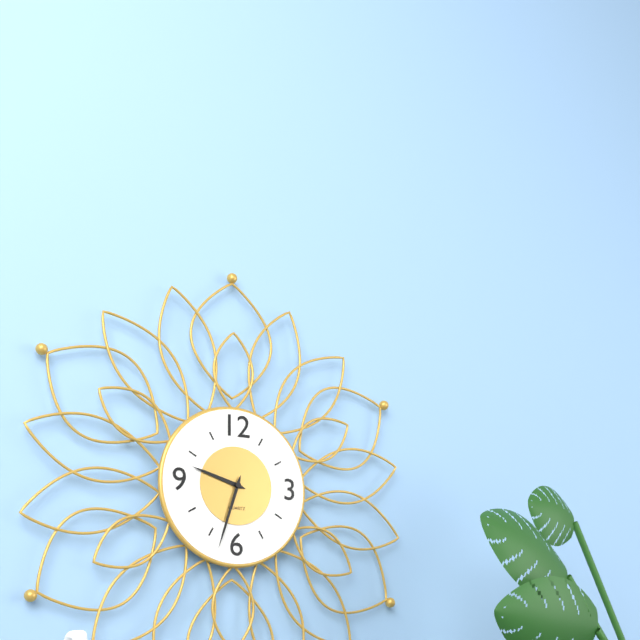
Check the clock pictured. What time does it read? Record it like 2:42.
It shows 9:33
